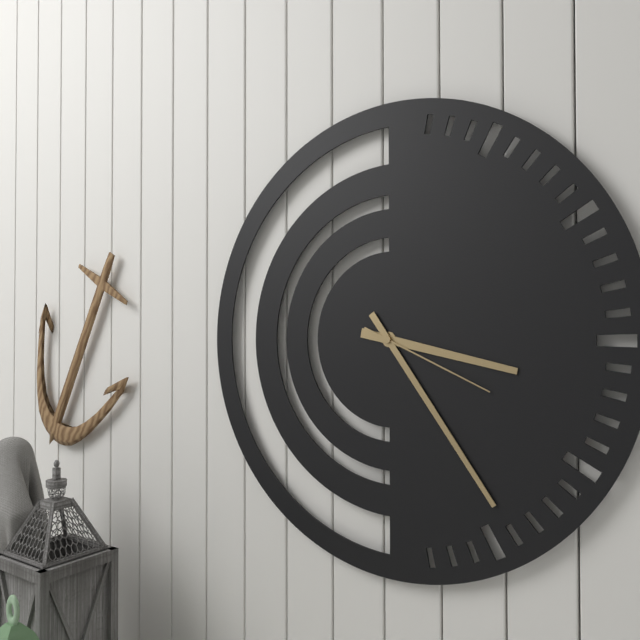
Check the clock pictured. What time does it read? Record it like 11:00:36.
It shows 3:24:19
